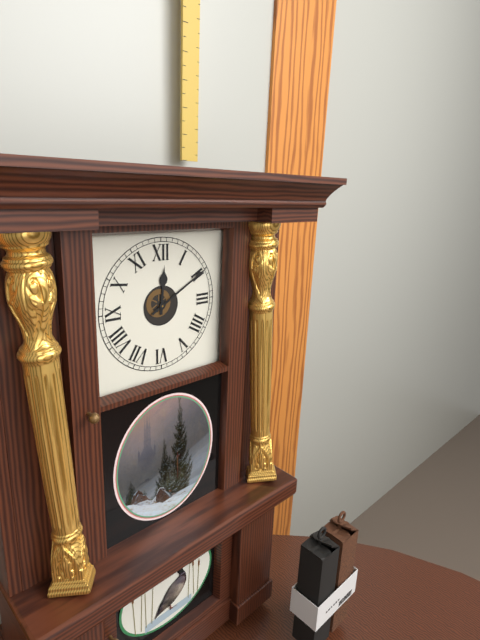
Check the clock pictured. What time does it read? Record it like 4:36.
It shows 12:10
